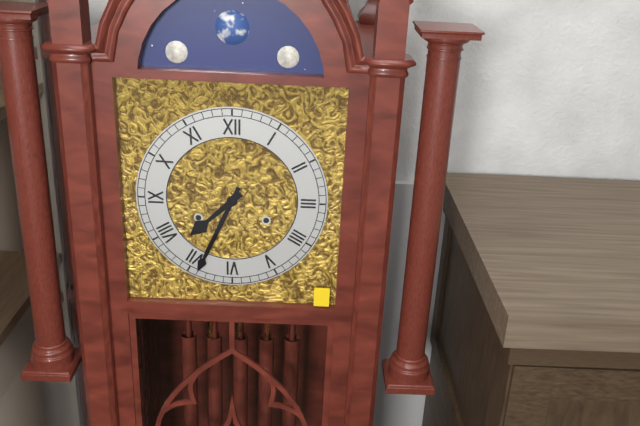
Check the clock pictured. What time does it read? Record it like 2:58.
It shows 7:34
